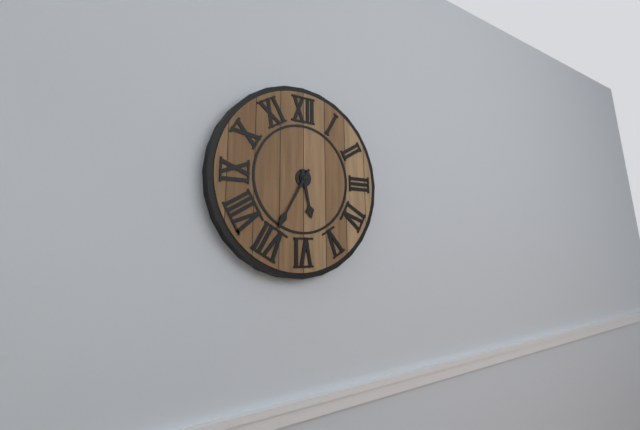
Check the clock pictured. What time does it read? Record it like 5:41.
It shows 5:35
